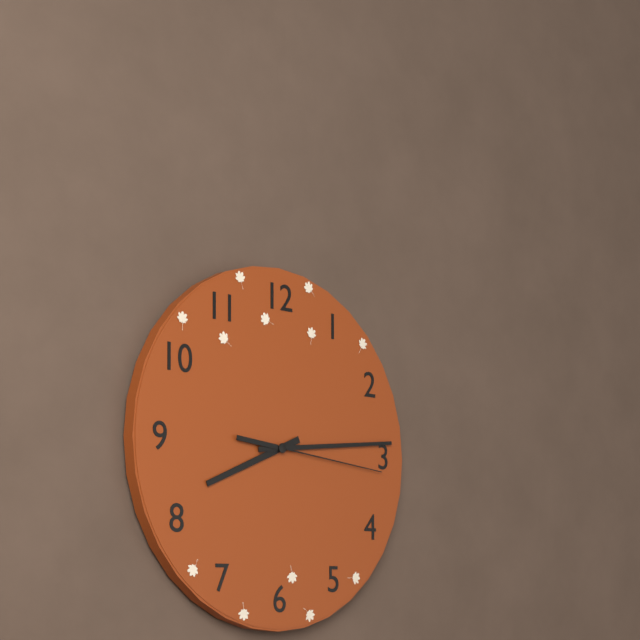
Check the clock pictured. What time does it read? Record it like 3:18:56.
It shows 8:14:16
